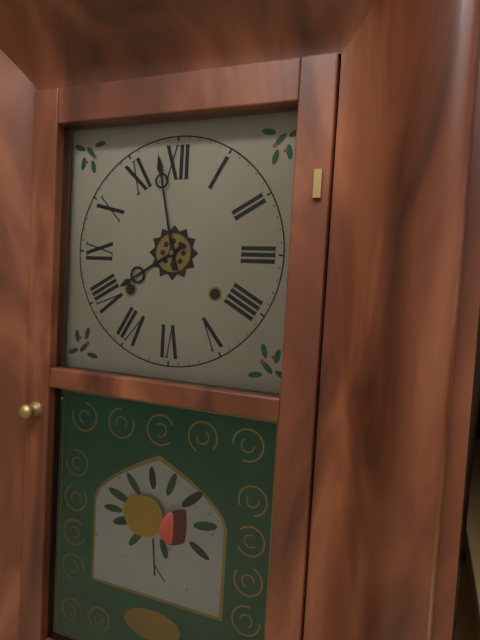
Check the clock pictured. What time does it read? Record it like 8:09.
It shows 7:58
